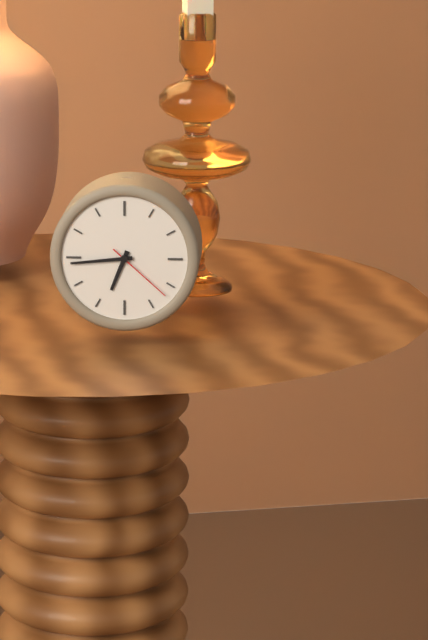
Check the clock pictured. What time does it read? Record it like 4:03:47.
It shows 6:44:22
